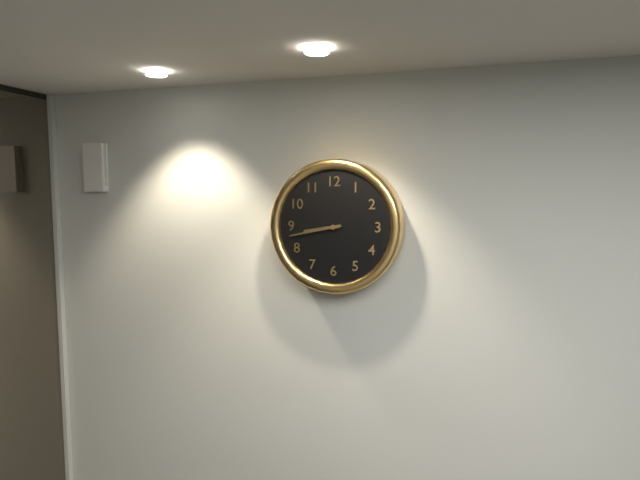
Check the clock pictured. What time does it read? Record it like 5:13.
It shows 8:43
